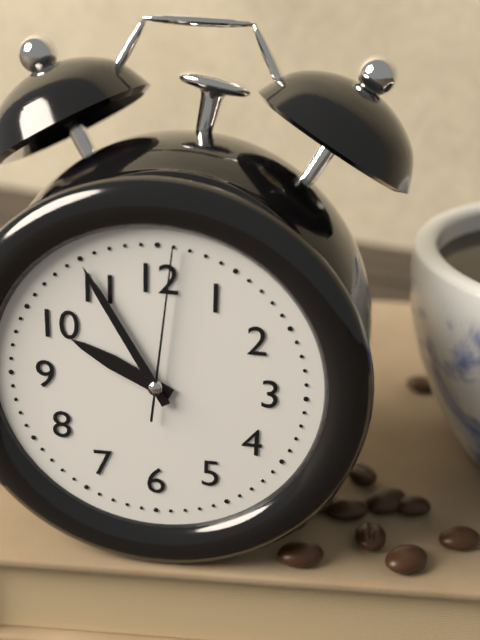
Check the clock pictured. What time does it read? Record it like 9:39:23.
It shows 9:55:01
